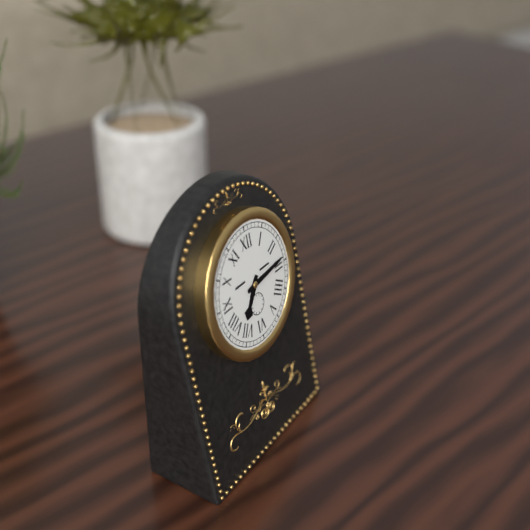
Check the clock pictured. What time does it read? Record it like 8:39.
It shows 7:14
